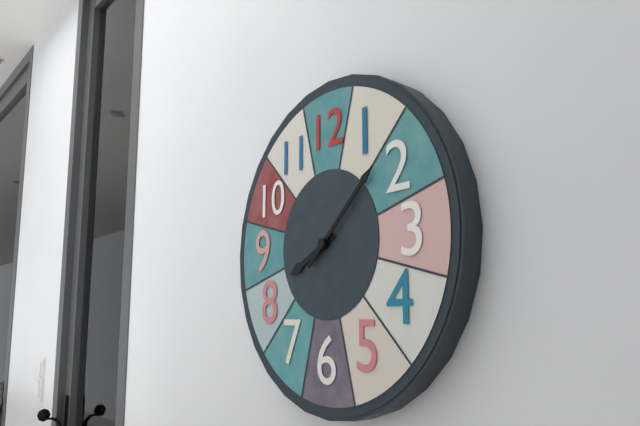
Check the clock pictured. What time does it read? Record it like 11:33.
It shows 8:08
